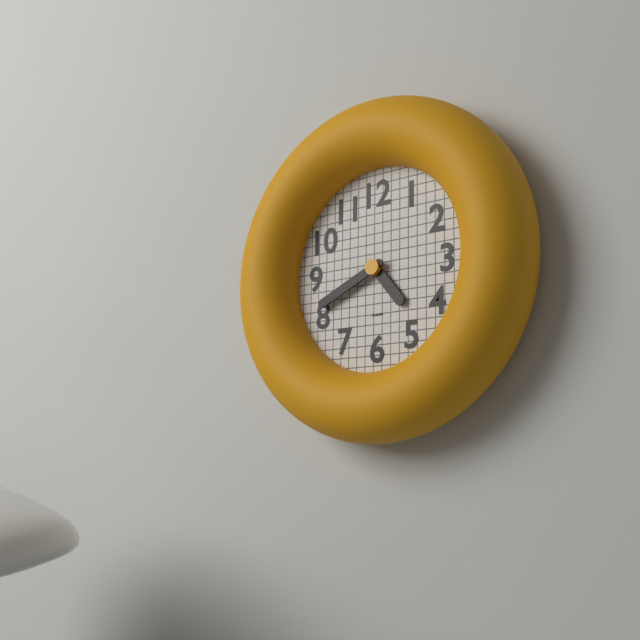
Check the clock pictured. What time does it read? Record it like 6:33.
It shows 4:41
